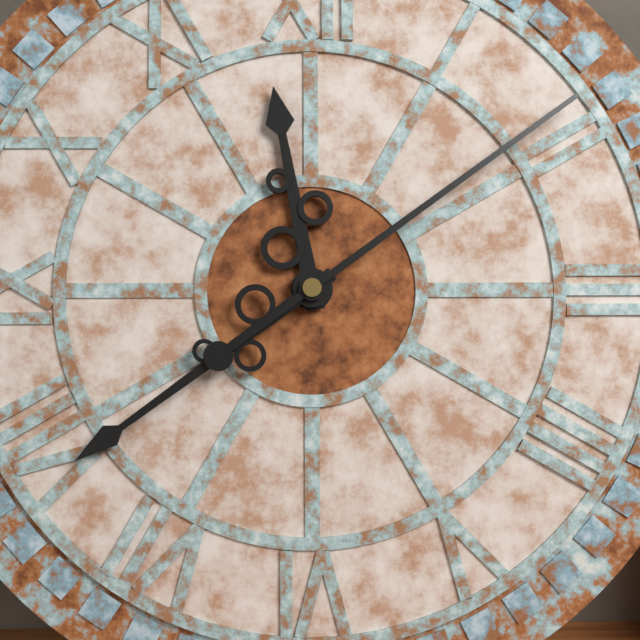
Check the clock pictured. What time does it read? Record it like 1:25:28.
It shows 11:39:09
